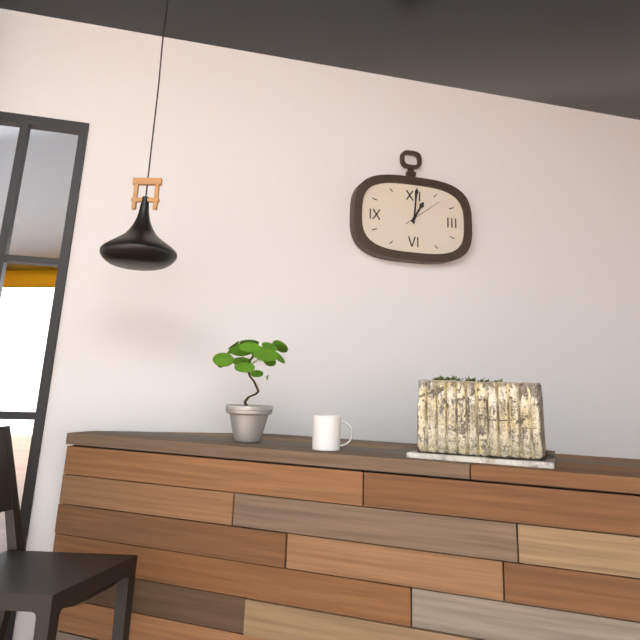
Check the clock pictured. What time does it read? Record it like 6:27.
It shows 1:01
